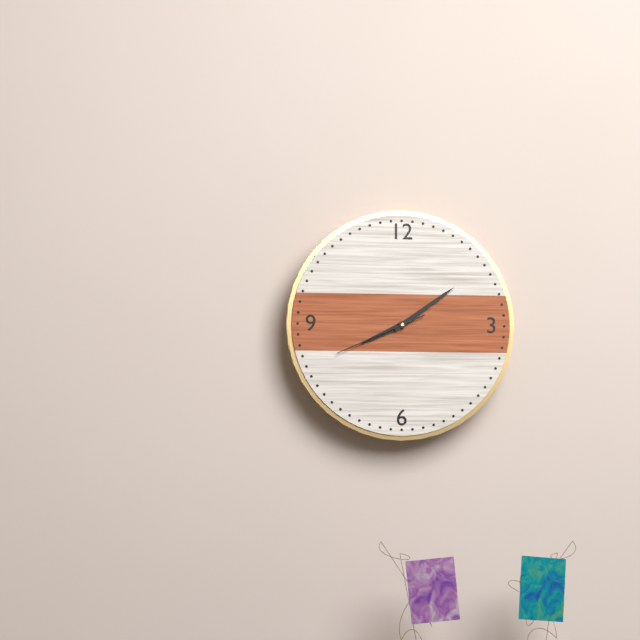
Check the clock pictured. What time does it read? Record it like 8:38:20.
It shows 8:09:41
